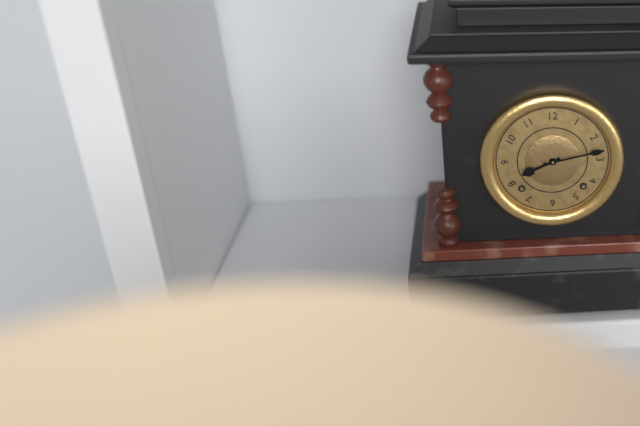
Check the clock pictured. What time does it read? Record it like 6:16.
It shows 8:13
